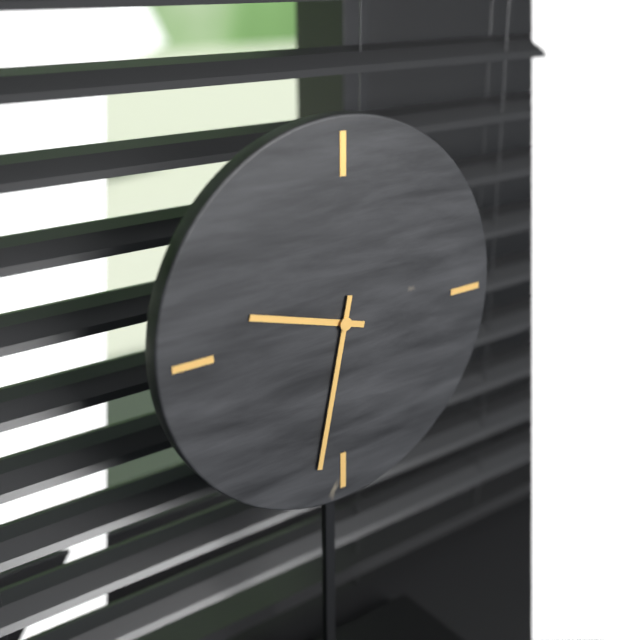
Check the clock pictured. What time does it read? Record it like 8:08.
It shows 9:32
